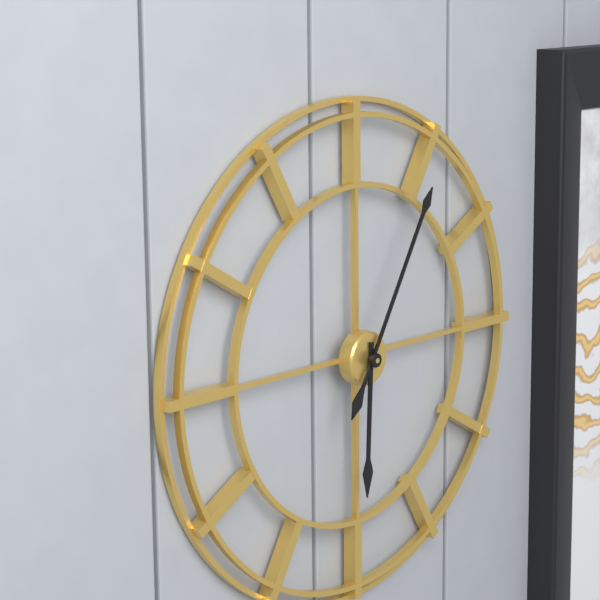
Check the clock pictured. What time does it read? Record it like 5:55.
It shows 6:05
